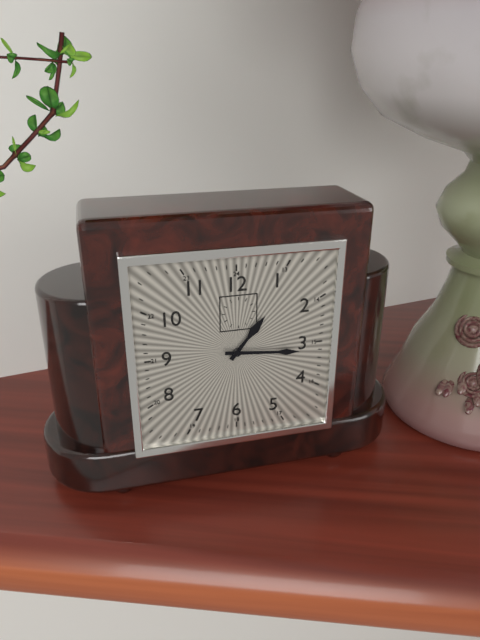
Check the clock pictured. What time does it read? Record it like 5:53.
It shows 1:16
